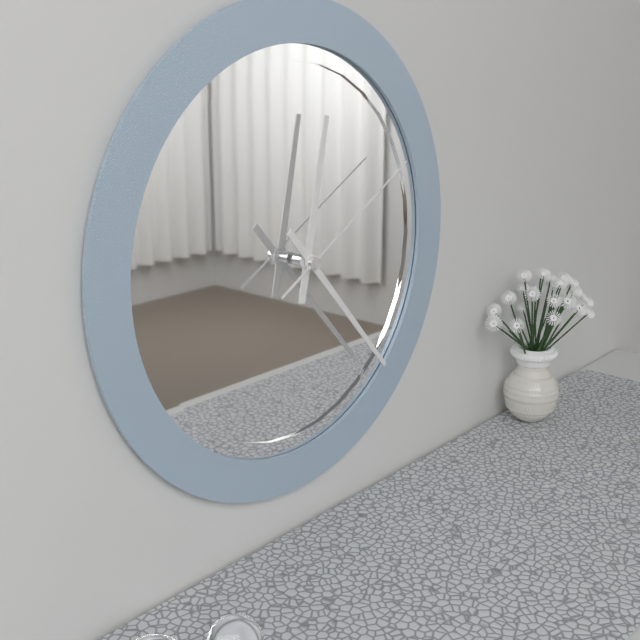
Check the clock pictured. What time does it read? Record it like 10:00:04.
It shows 12:23:10
